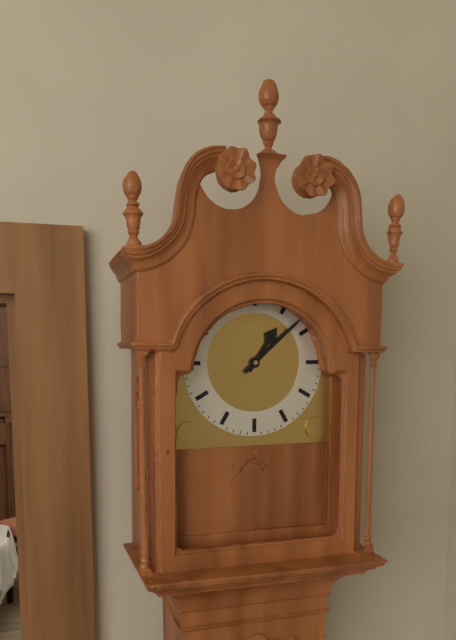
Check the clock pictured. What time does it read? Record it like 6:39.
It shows 1:08
